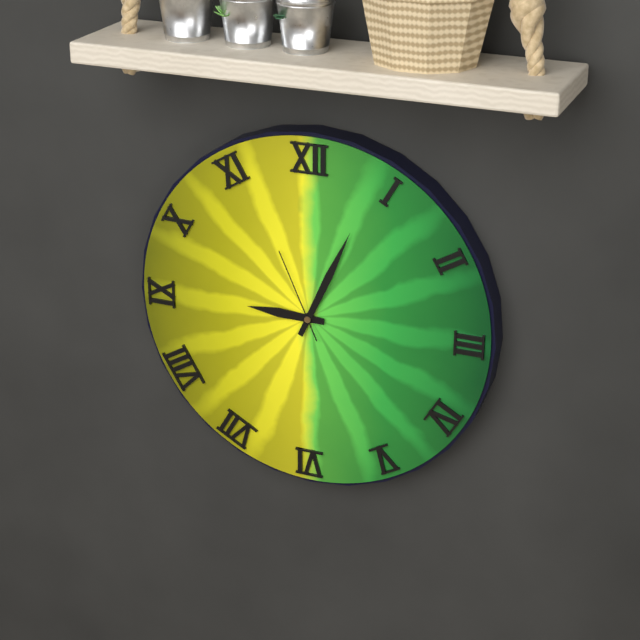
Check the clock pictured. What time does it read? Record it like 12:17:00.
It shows 9:04:56
